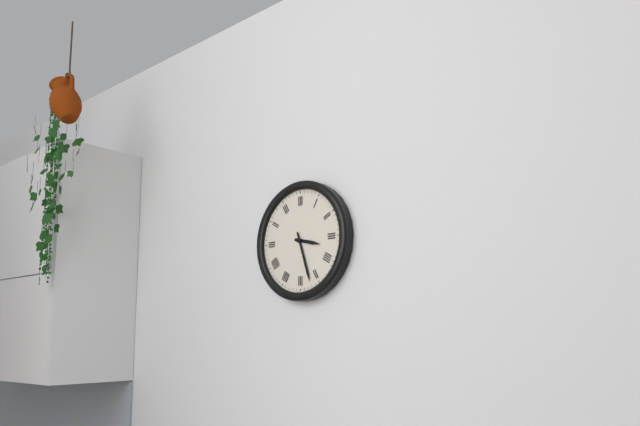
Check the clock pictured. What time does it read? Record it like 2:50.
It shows 3:27
